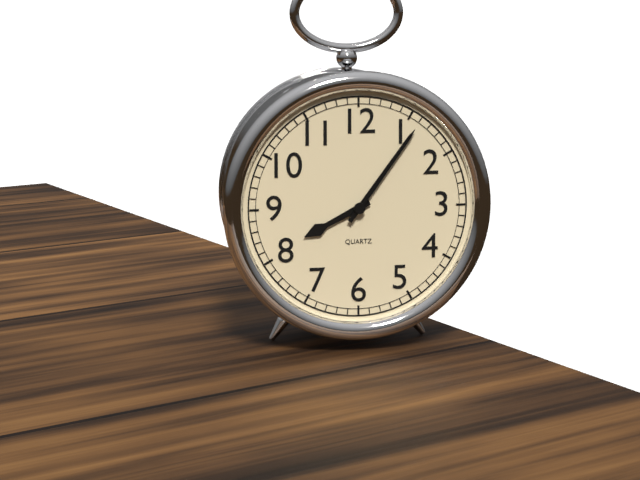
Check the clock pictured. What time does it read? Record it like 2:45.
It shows 8:06
